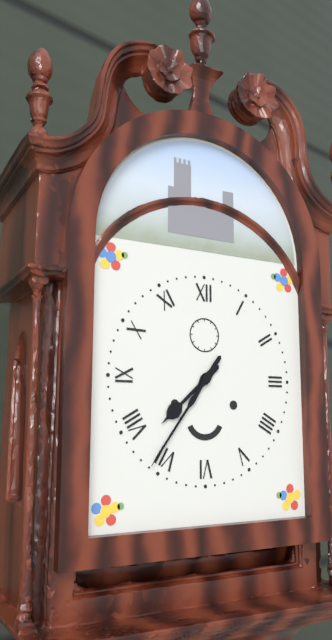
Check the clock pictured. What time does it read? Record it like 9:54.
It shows 7:36
